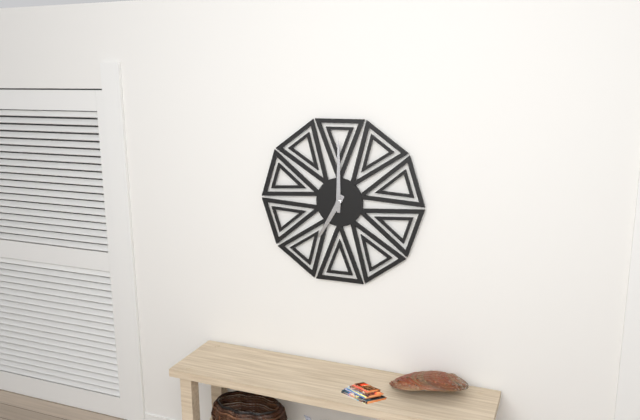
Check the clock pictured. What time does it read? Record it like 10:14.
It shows 7:00
